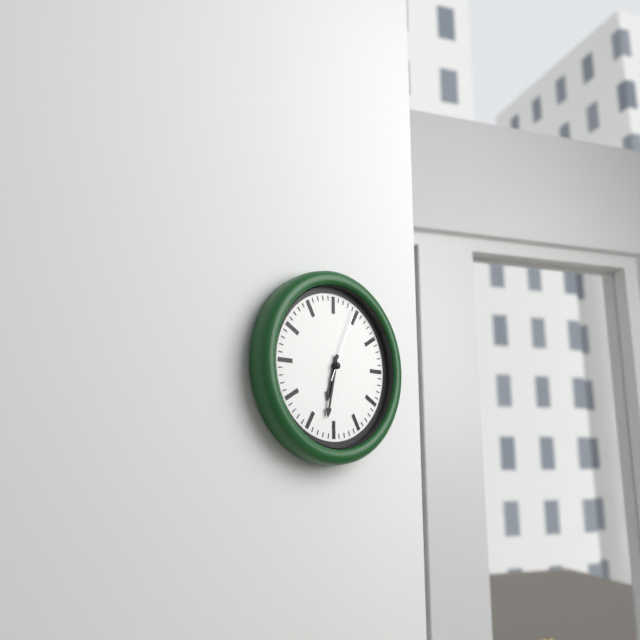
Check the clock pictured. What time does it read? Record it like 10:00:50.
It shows 6:32:04
